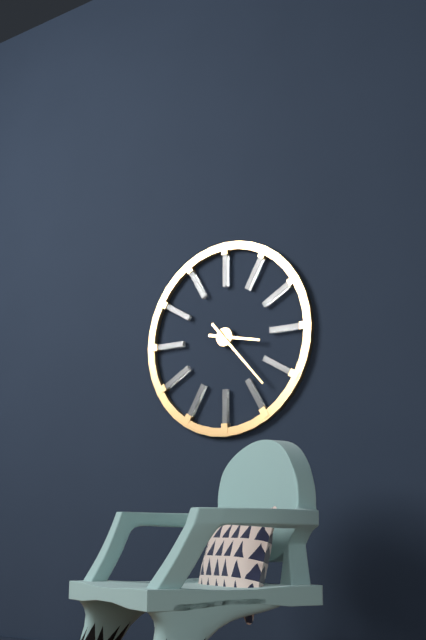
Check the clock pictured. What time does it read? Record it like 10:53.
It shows 3:23
